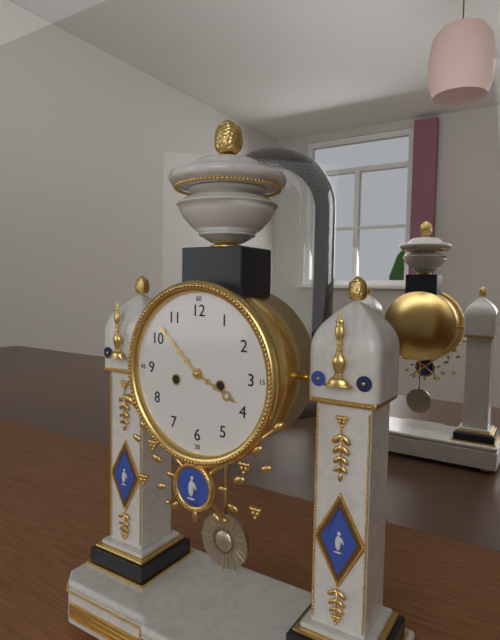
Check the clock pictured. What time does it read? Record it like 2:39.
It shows 3:52
